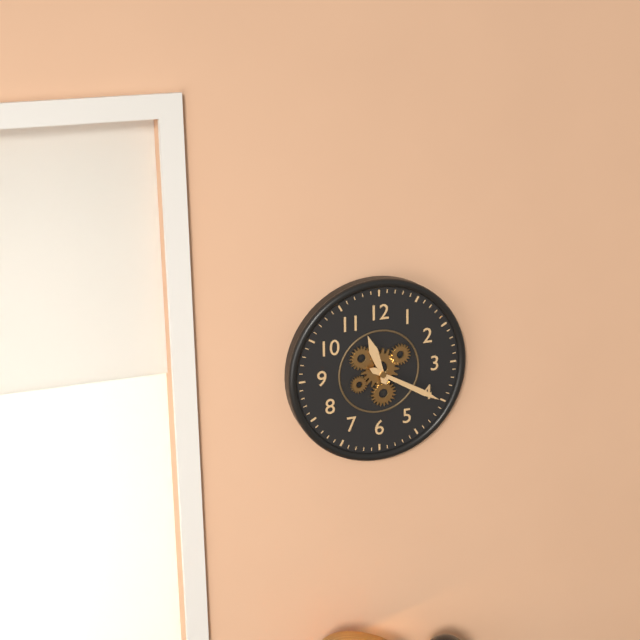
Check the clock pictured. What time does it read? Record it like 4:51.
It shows 11:20
